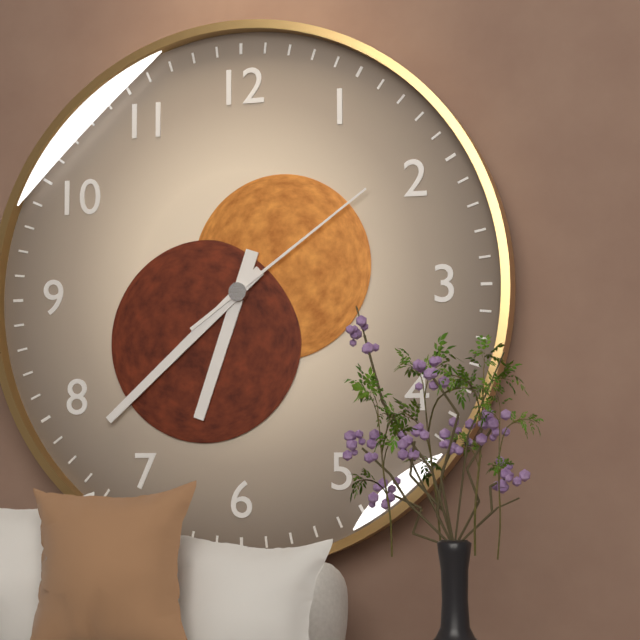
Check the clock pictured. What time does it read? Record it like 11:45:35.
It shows 6:38:09
